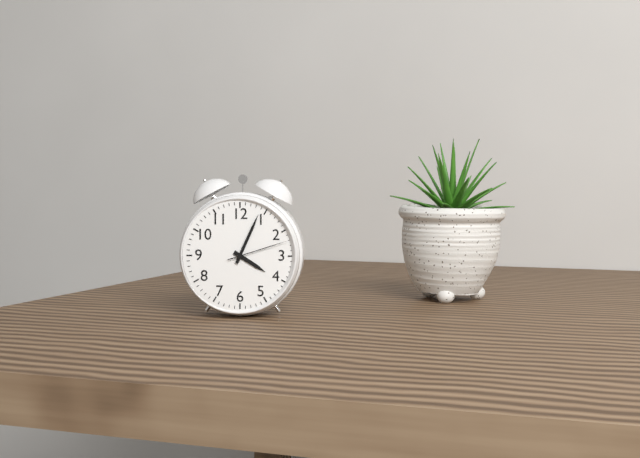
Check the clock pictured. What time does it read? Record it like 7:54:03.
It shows 4:04:12
